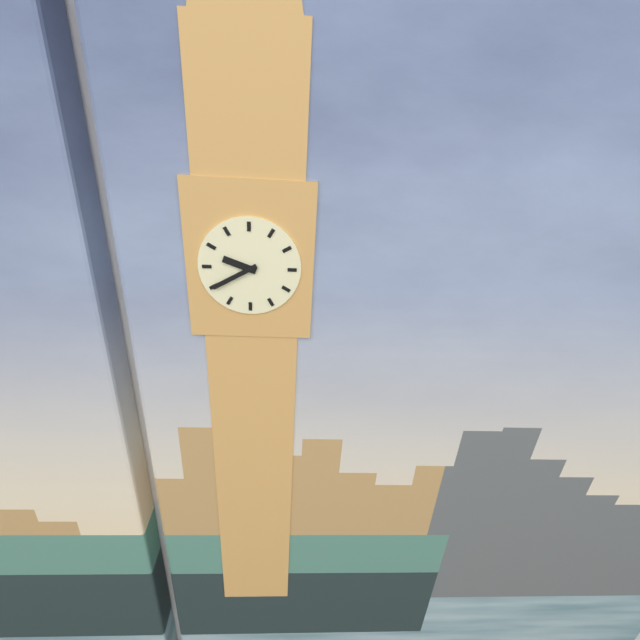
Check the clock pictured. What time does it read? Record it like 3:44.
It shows 9:40
